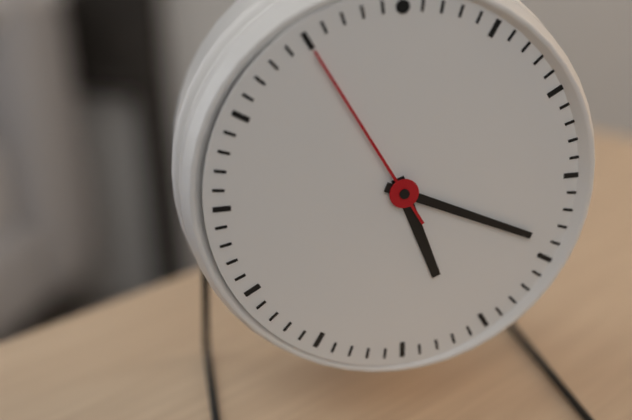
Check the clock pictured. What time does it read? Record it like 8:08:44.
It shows 5:19:55
